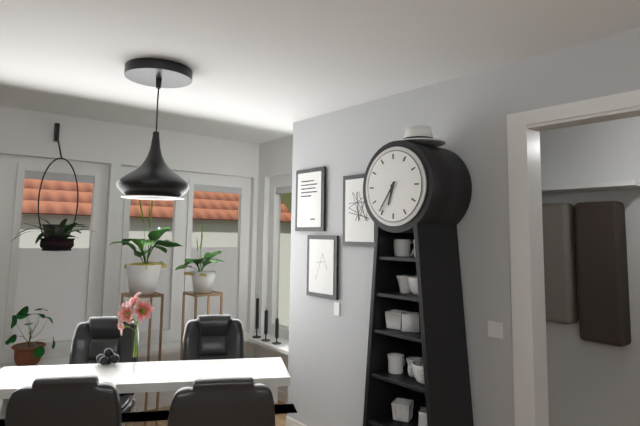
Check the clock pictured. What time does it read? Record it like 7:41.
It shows 6:36
